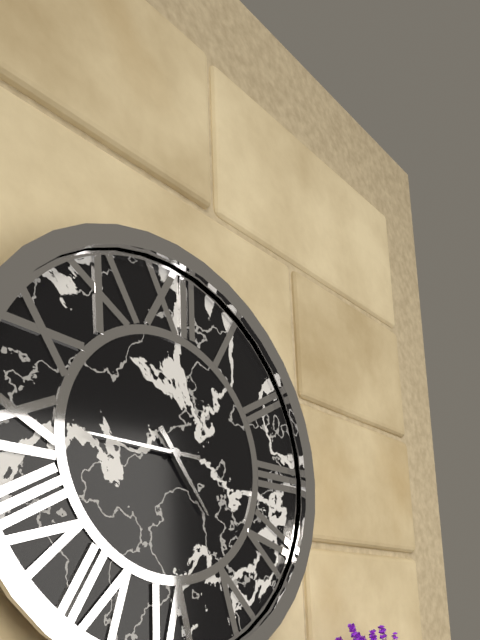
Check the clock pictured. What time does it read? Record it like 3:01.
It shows 4:45
